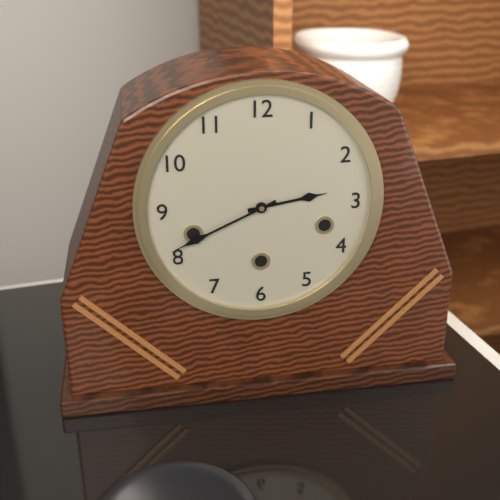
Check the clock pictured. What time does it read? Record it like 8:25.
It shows 2:41
